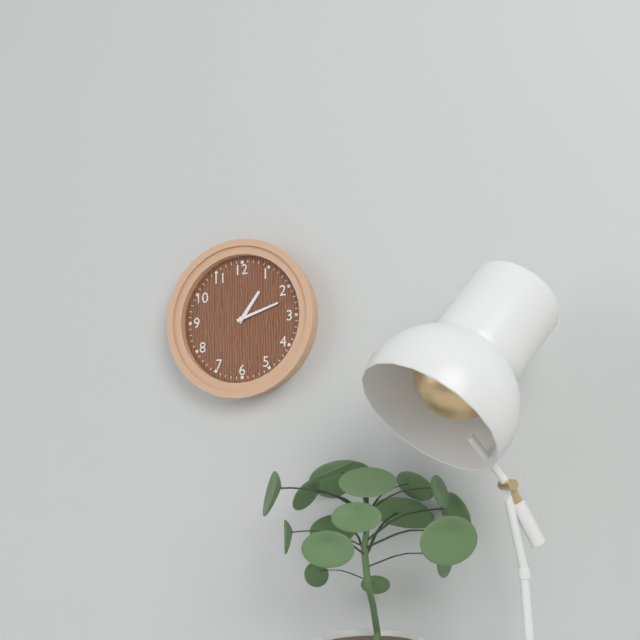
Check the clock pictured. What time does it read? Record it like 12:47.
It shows 1:12
